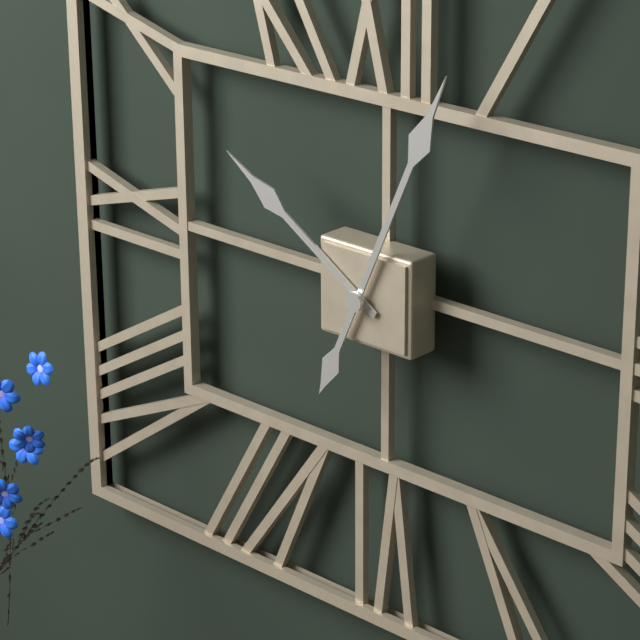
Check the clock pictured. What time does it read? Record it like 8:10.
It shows 10:04
